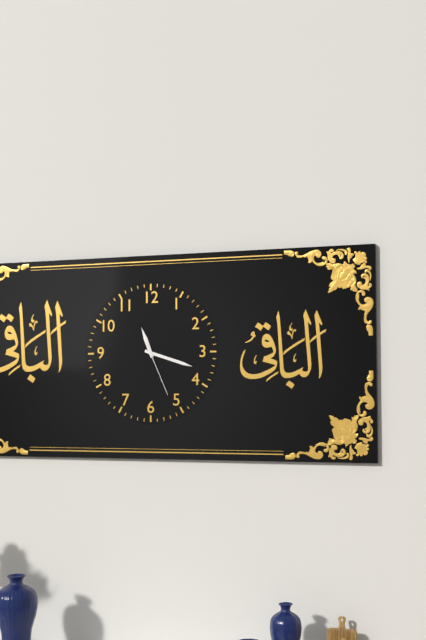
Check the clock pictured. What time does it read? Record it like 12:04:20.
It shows 11:18:26
